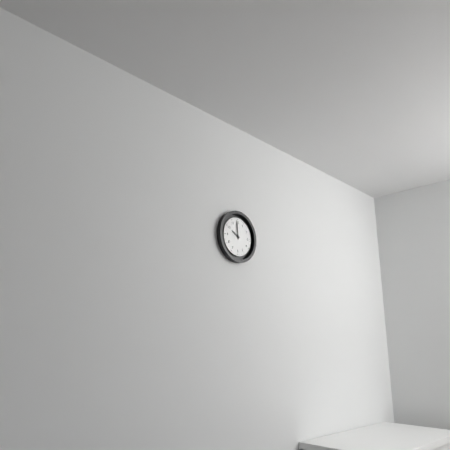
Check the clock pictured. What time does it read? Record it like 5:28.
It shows 9:59
